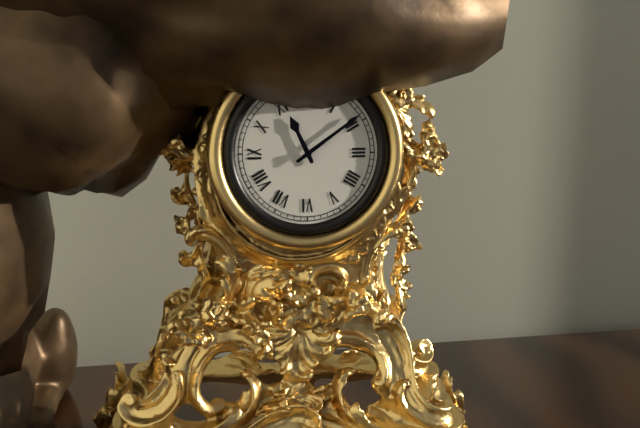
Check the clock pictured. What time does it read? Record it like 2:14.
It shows 11:09
